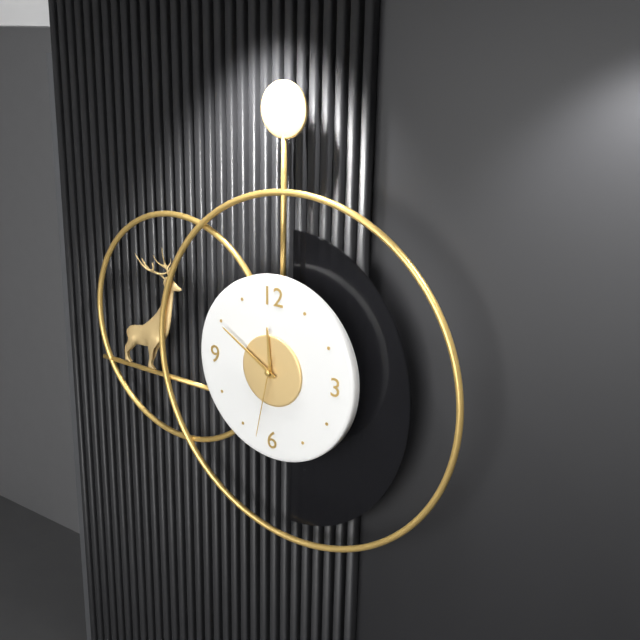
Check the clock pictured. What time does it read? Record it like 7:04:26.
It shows 11:50:32
